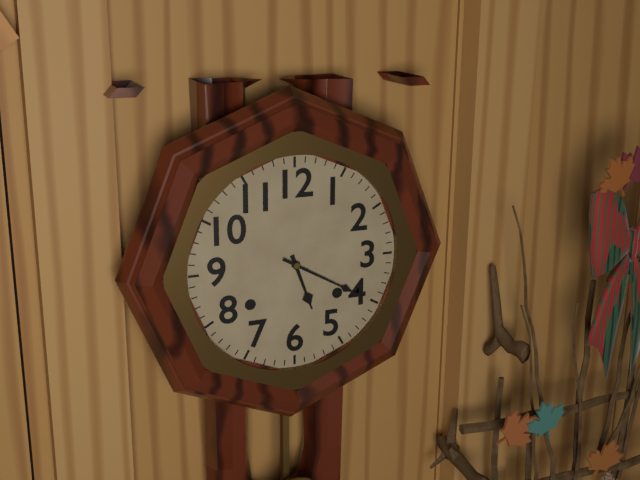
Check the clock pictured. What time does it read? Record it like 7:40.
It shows 5:20
